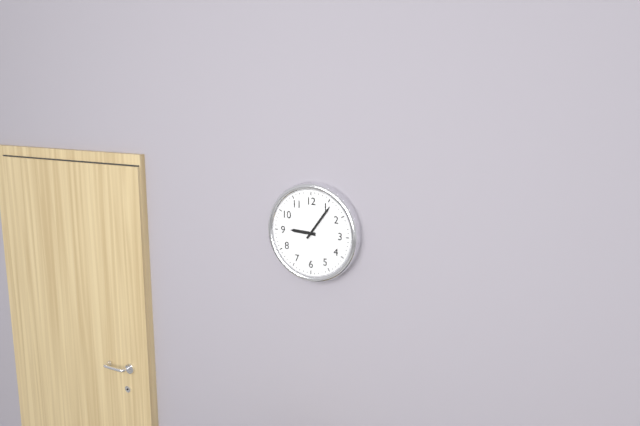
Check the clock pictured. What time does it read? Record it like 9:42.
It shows 9:06
